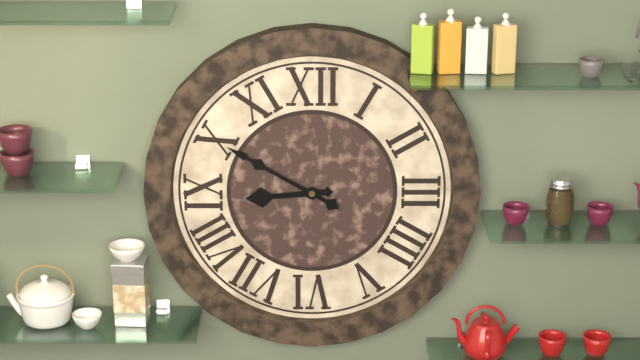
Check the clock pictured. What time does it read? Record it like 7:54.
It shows 8:50
